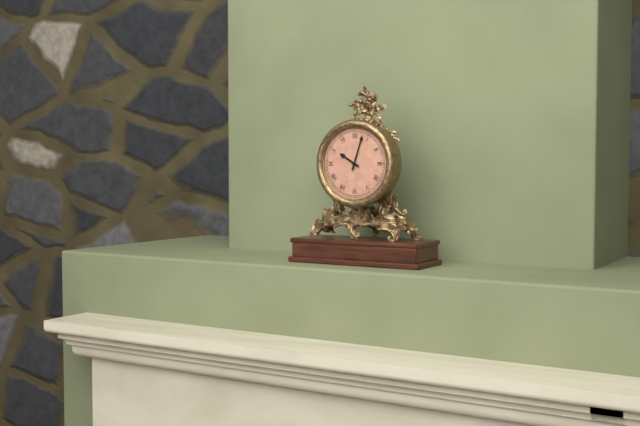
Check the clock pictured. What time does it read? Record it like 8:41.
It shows 10:03
